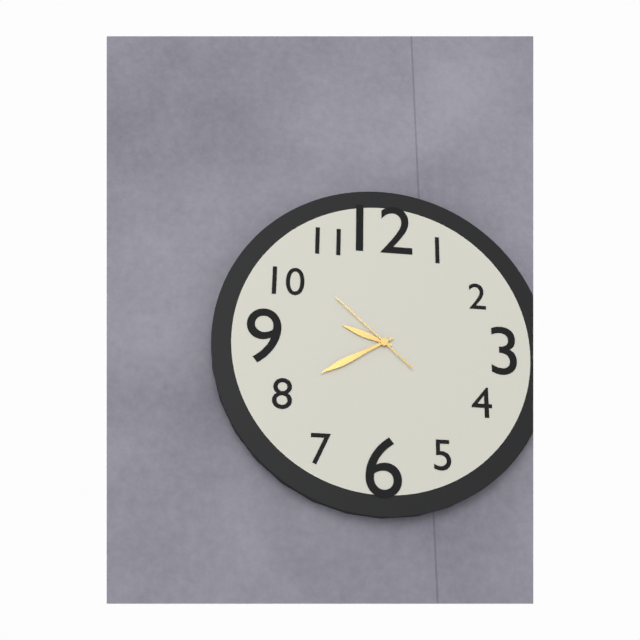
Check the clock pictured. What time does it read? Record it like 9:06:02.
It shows 9:40:52
